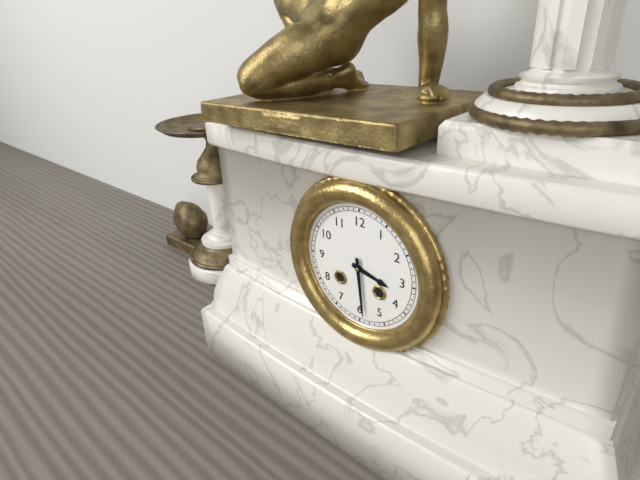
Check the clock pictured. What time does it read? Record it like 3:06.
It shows 3:29
